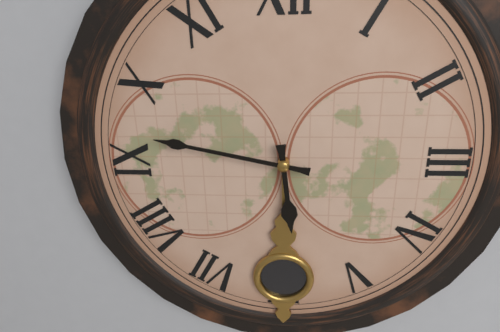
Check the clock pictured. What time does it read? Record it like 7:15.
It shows 5:47
